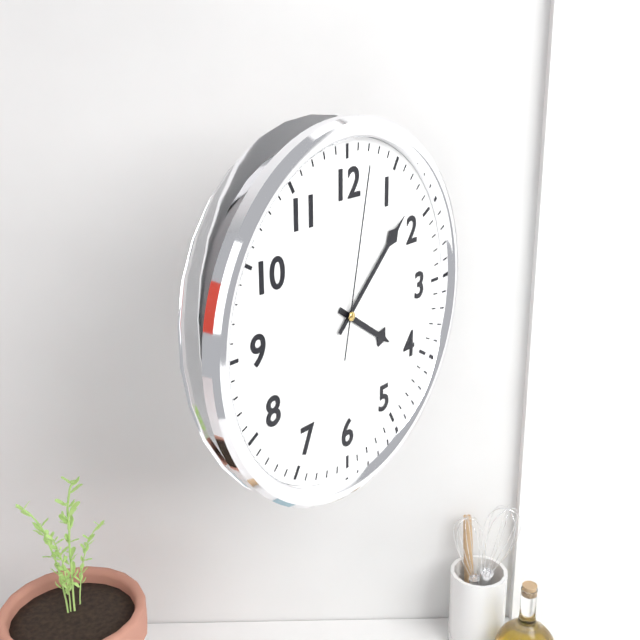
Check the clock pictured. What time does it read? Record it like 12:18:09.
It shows 4:08:02
